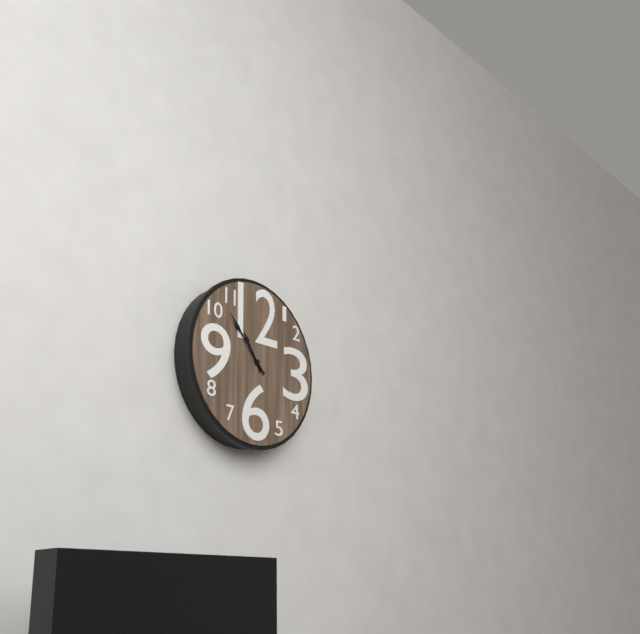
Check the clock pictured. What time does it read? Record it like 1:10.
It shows 10:53
